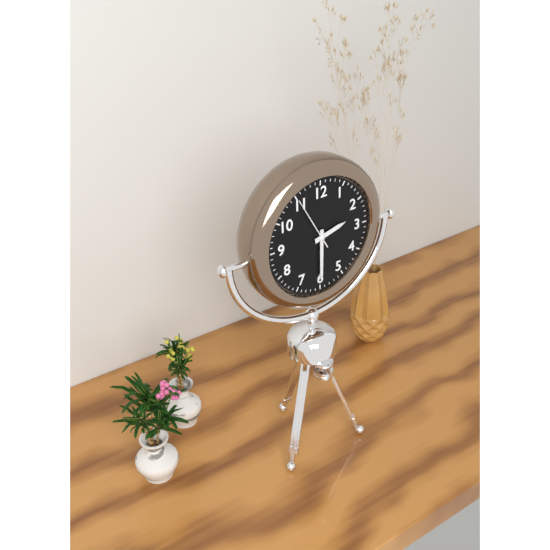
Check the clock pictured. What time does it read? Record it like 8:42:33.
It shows 2:30:55
